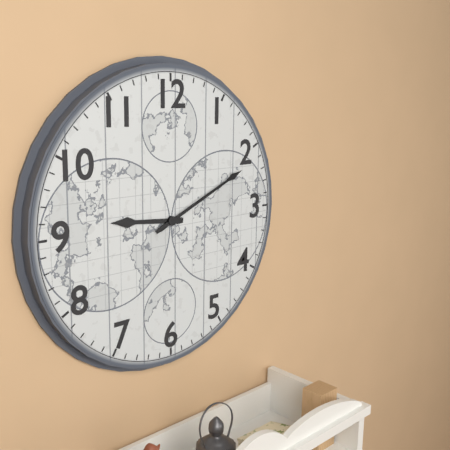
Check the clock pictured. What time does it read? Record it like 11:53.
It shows 9:11
